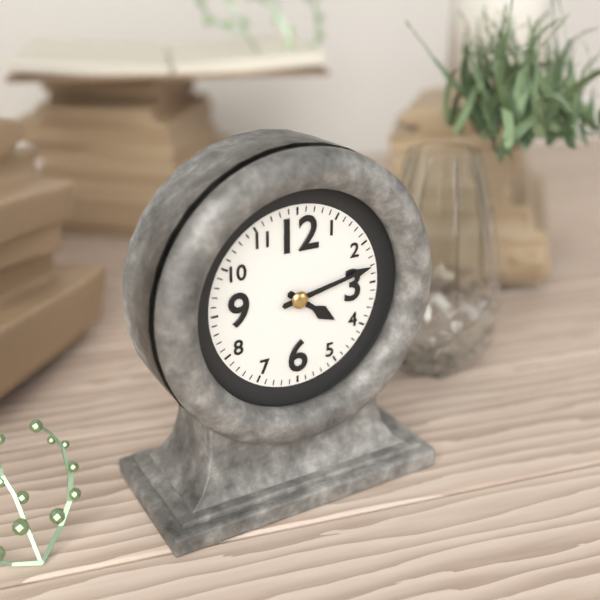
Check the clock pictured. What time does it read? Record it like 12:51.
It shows 4:13
